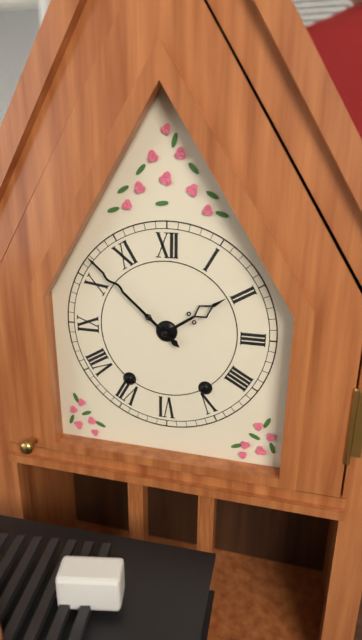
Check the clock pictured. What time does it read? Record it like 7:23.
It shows 1:52
